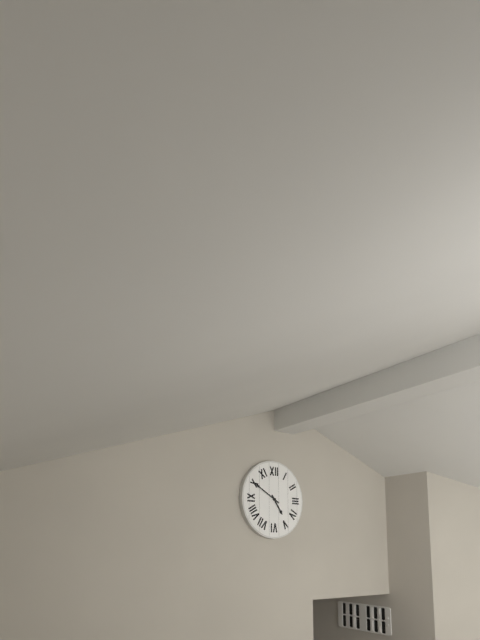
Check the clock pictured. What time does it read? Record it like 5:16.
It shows 4:50
